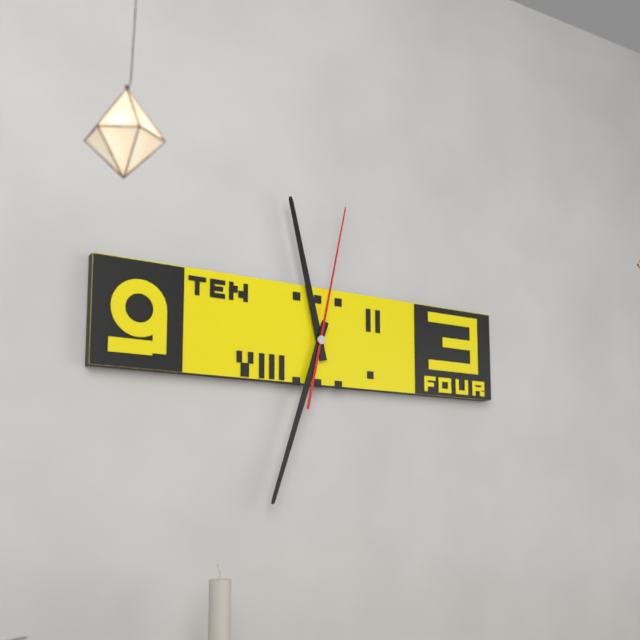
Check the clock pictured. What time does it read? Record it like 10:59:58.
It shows 11:33:02
